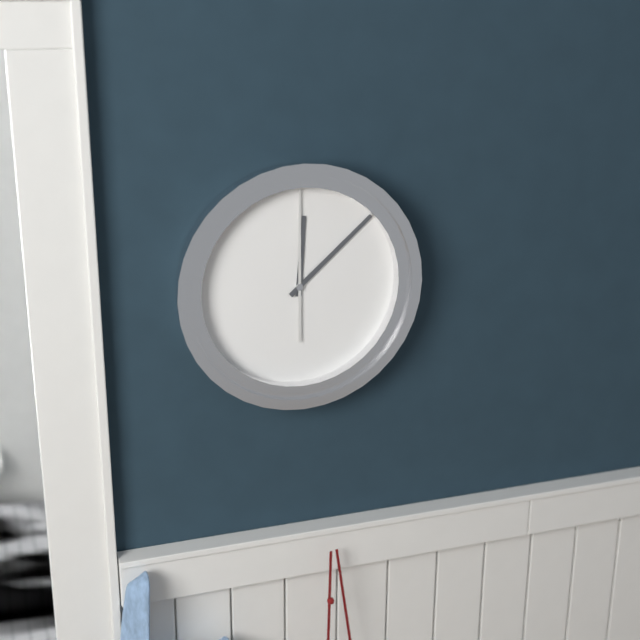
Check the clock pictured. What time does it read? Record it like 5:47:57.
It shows 12:08:00
